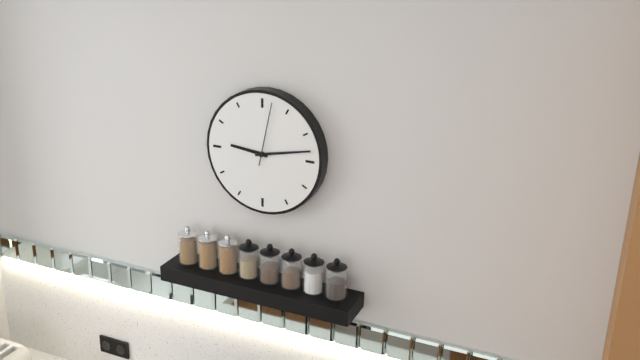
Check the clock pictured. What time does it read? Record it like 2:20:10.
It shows 9:13:02
